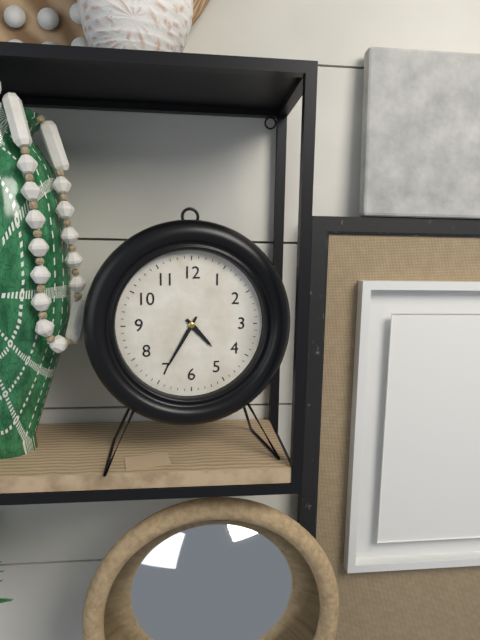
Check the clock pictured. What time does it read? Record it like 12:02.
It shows 4:35
